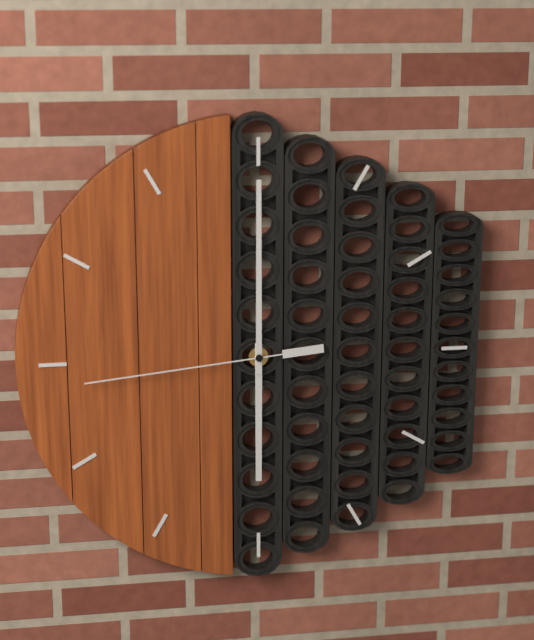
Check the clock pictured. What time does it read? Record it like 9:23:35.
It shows 6:00:44
